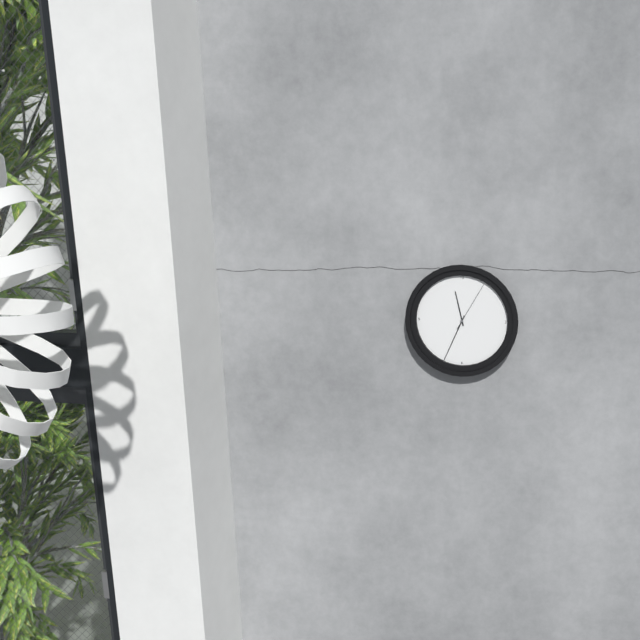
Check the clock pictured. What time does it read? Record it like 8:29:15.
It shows 11:34:05
